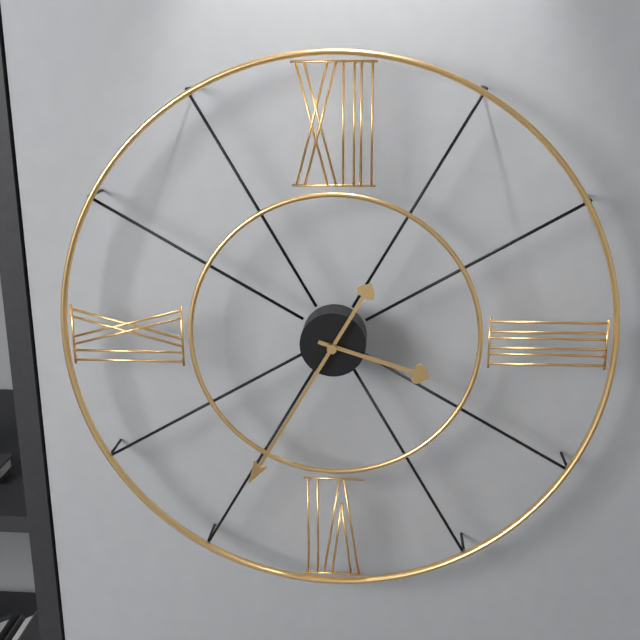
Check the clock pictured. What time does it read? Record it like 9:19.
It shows 3:35
